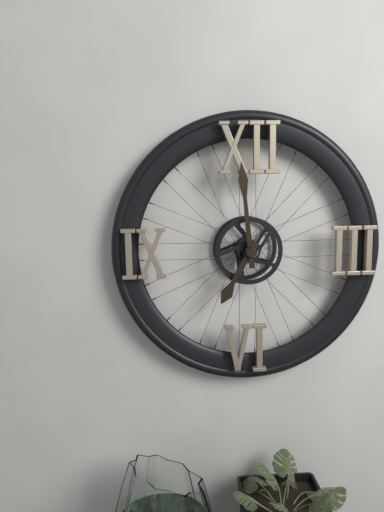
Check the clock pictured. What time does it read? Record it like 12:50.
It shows 6:59
